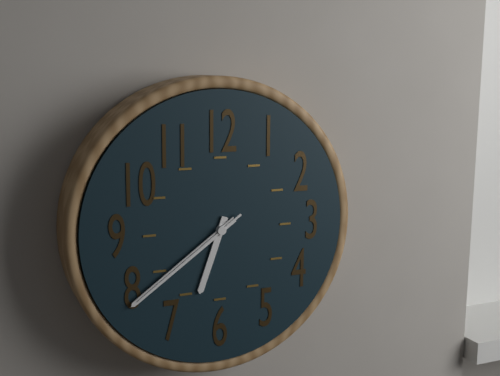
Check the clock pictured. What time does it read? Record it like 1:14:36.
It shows 6:39:39
